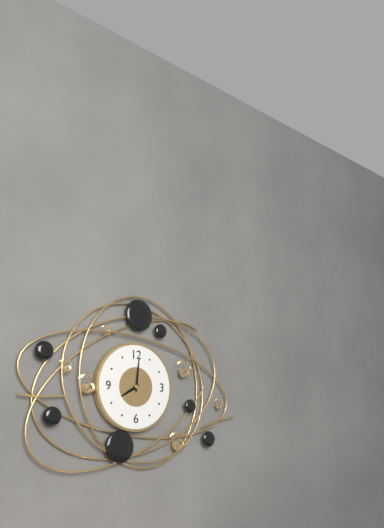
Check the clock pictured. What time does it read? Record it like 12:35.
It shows 8:01
